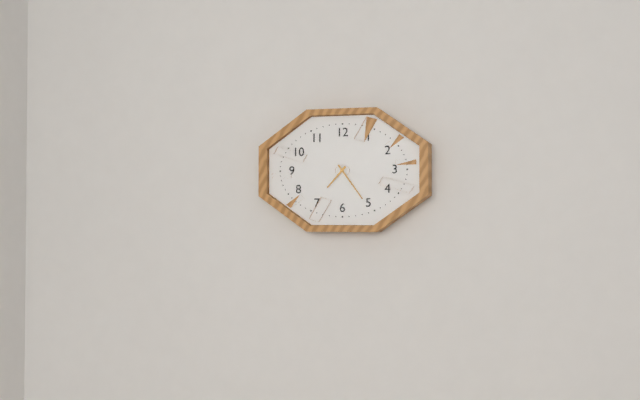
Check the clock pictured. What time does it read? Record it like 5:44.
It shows 7:24
